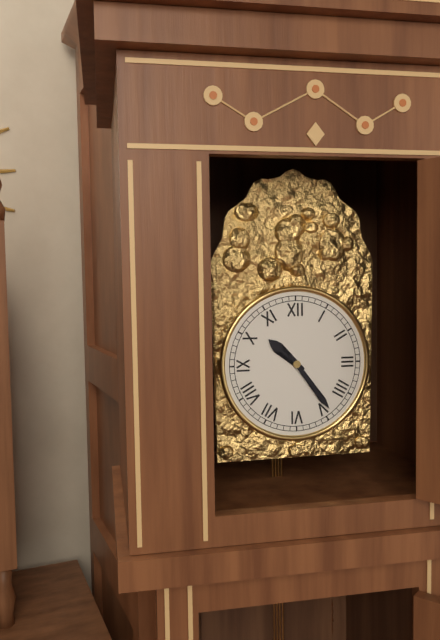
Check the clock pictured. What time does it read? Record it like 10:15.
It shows 10:24
